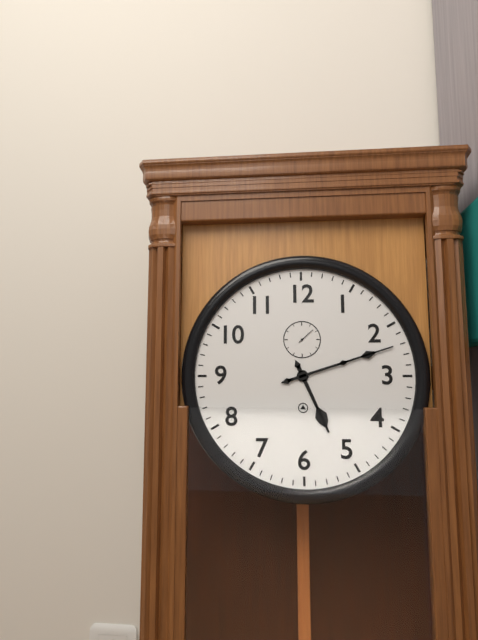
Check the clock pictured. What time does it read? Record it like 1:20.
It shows 5:12
